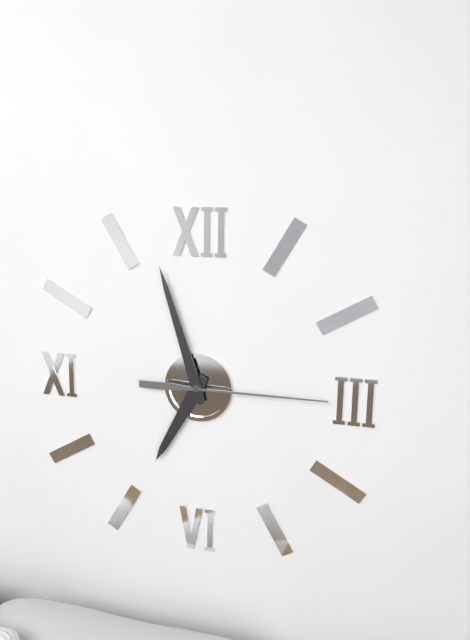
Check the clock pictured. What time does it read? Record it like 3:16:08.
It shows 6:57:15
